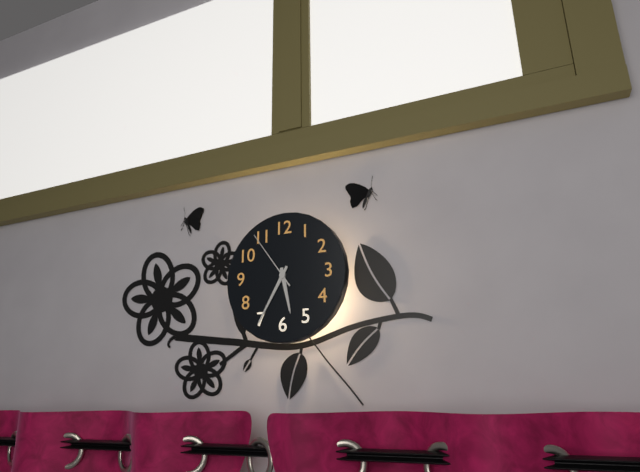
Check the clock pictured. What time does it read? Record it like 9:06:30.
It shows 5:35:54
